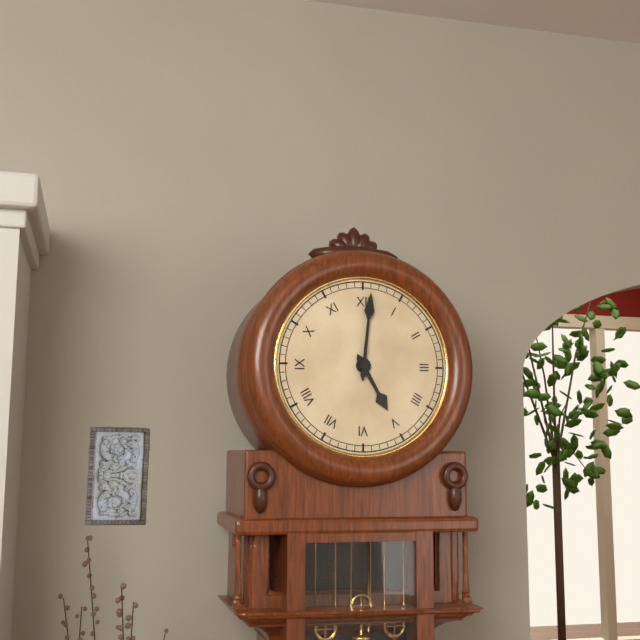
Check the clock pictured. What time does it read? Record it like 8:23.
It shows 5:01
